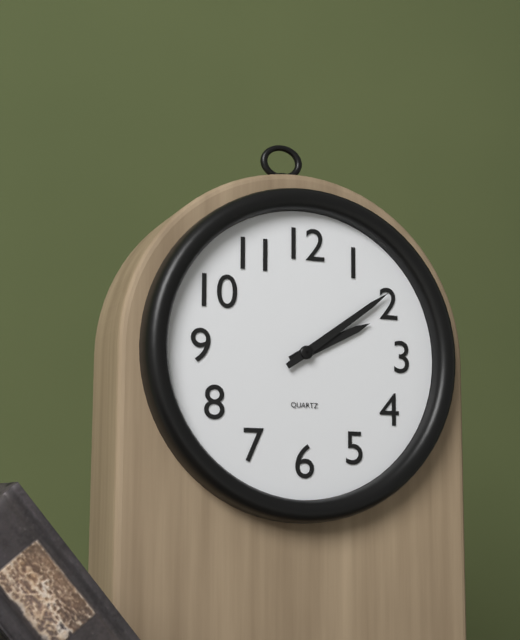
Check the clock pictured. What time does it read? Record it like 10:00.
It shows 2:09
